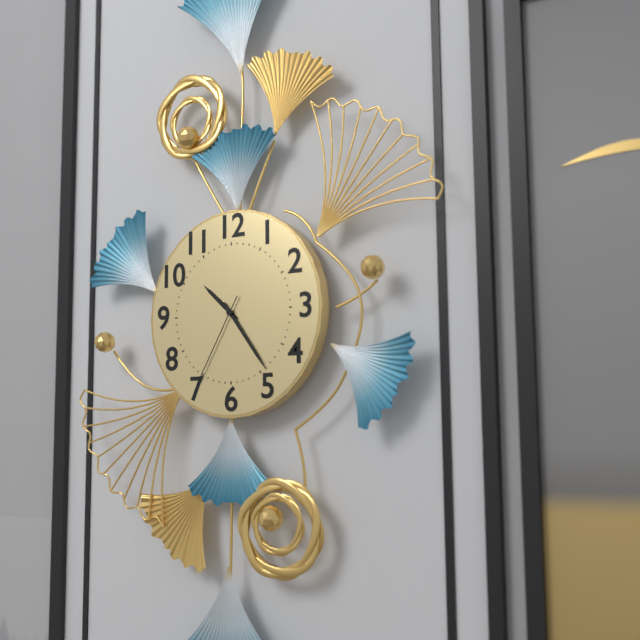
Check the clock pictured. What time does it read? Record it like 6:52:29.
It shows 10:24:35
